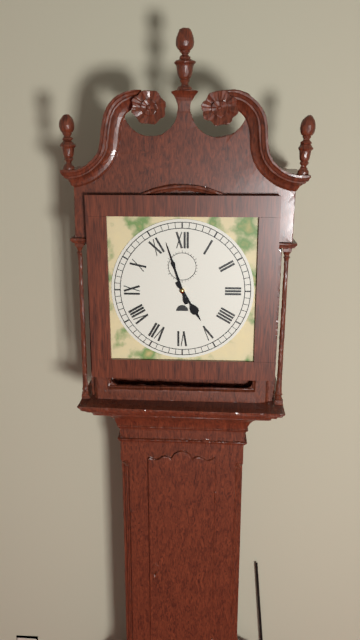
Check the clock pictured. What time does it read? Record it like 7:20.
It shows 4:57
